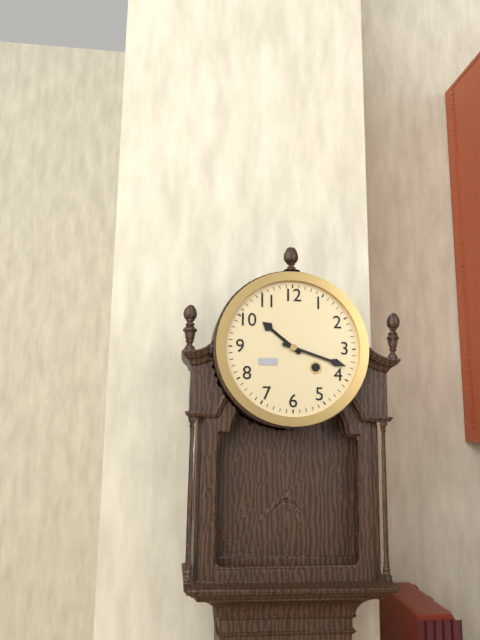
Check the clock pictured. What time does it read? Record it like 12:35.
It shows 10:18
